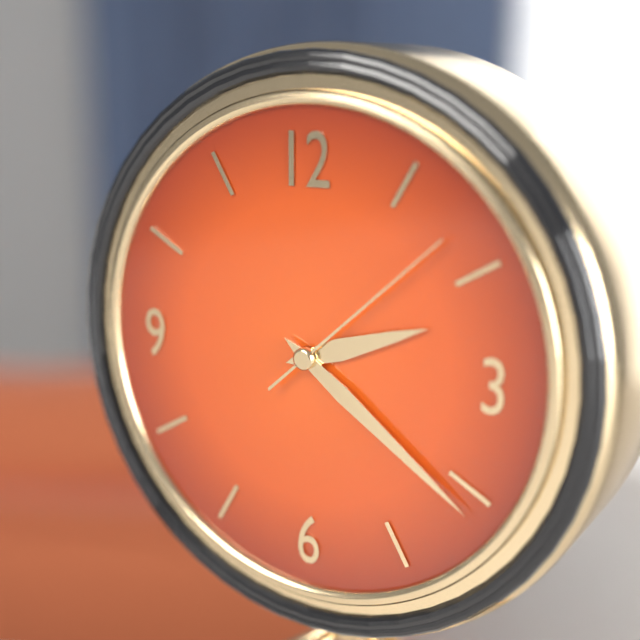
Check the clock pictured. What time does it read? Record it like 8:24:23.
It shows 2:21:08
